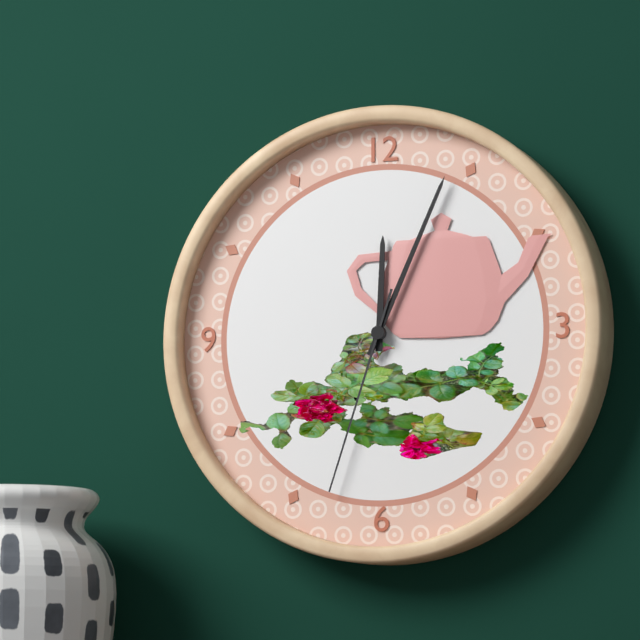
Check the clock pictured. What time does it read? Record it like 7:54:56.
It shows 12:04:33
